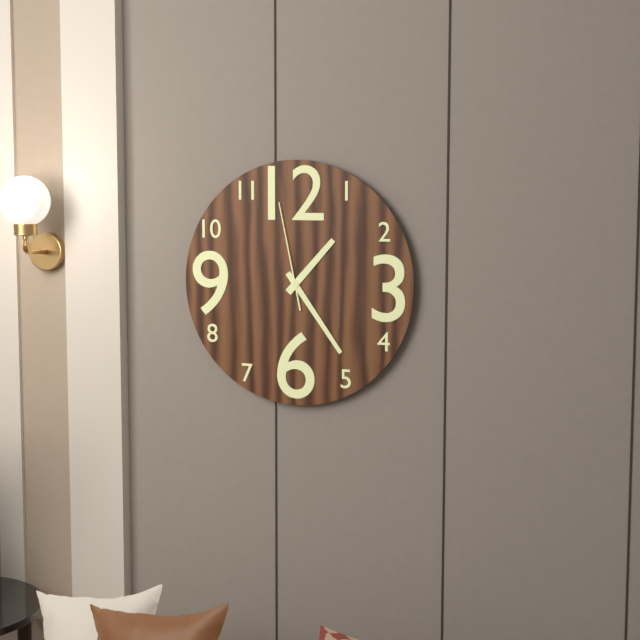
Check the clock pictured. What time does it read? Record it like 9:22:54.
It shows 1:24:58
